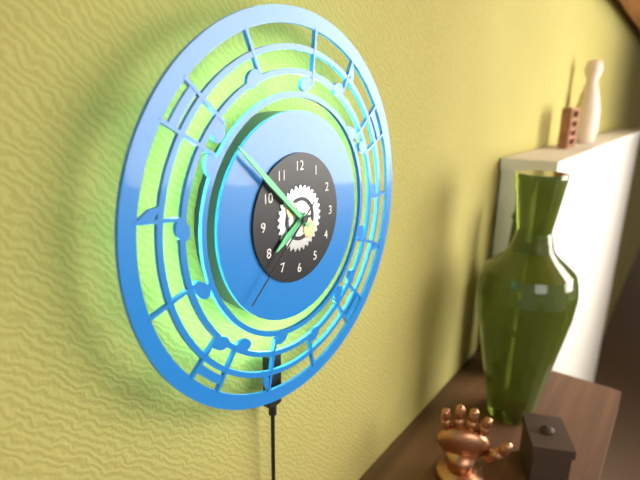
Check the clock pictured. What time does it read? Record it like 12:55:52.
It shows 7:52:38
